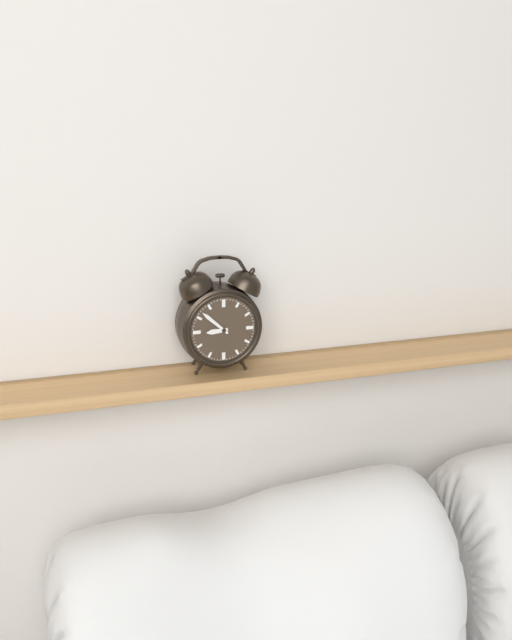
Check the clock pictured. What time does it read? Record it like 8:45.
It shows 8:52
